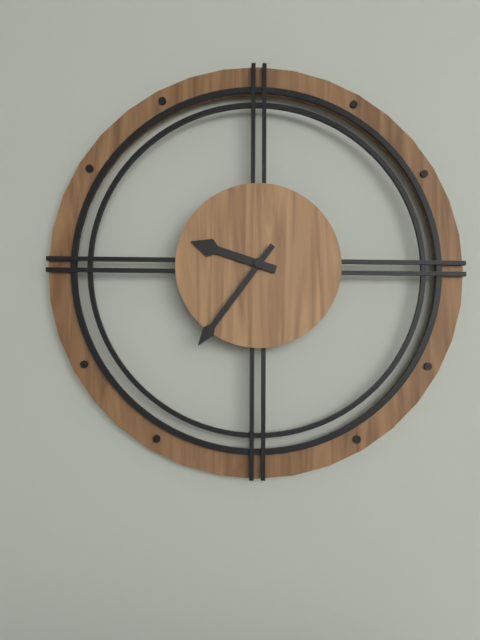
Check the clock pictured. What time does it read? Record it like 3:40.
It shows 9:36
